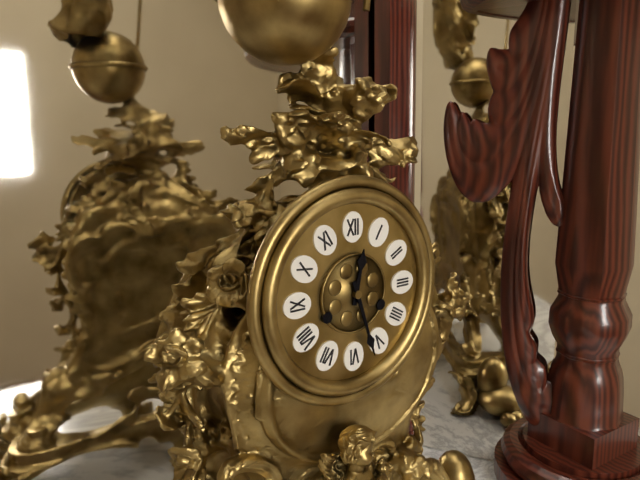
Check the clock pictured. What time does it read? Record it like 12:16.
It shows 12:27
